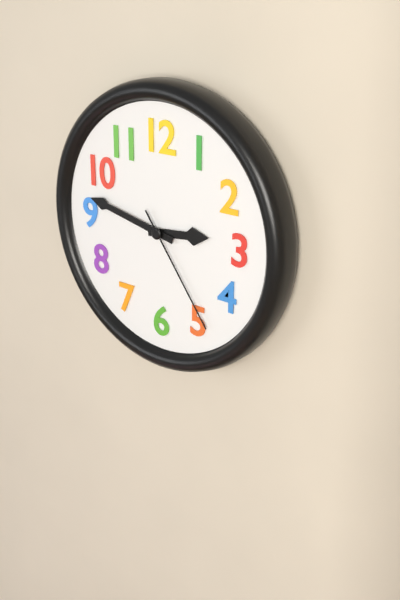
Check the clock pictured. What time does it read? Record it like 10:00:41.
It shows 2:47:24
